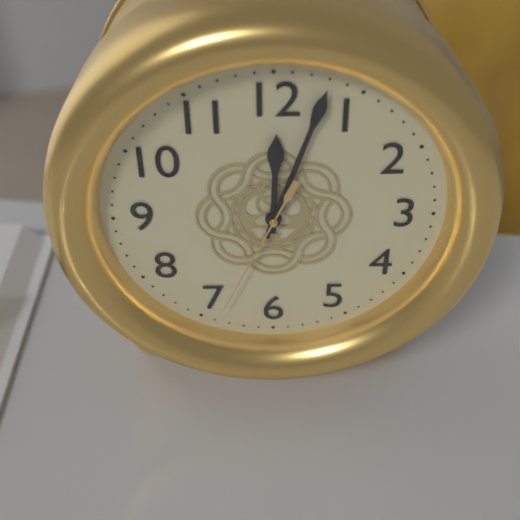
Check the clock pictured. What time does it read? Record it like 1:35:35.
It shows 12:03:34
